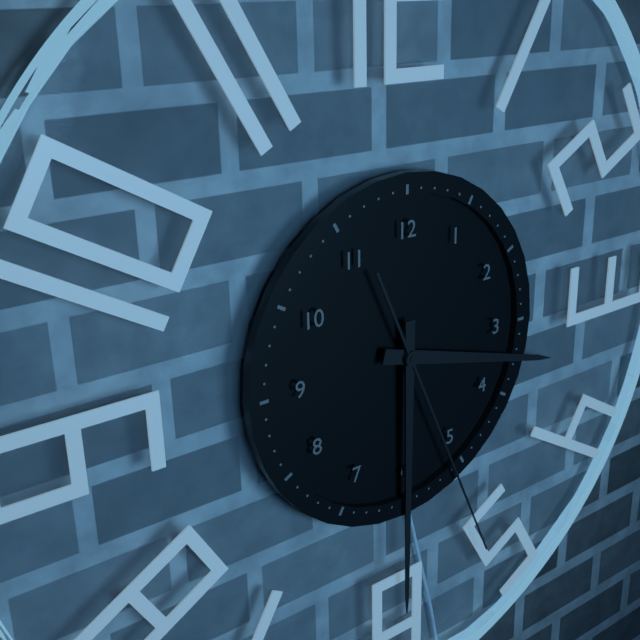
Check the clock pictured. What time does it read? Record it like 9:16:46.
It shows 3:30:26
